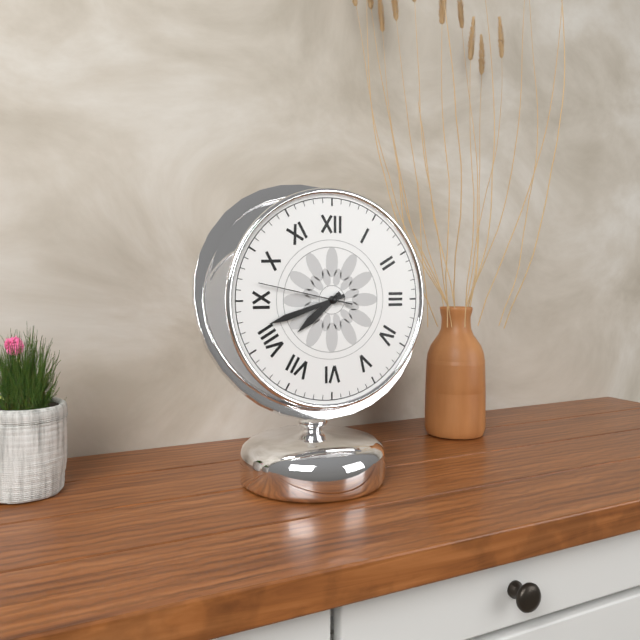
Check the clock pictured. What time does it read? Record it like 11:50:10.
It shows 7:42:47
